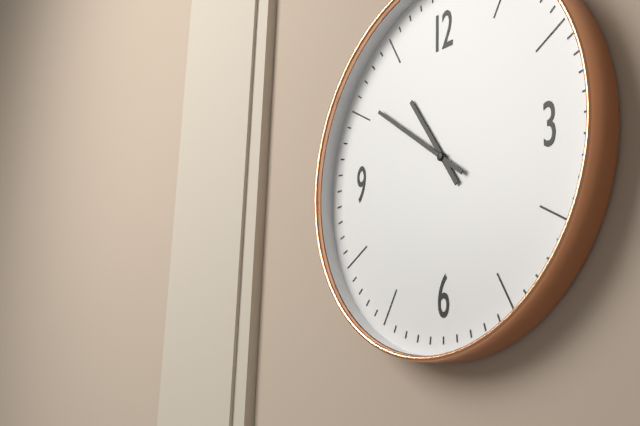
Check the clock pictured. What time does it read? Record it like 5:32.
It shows 10:51
